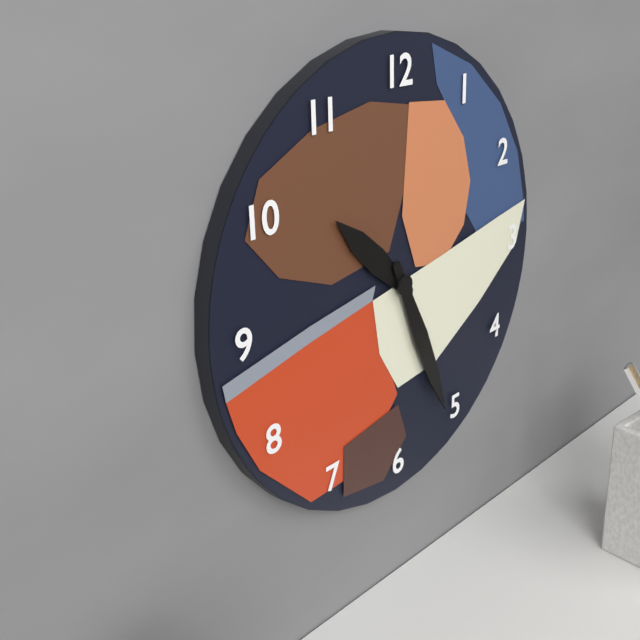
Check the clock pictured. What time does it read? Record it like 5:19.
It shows 10:26
